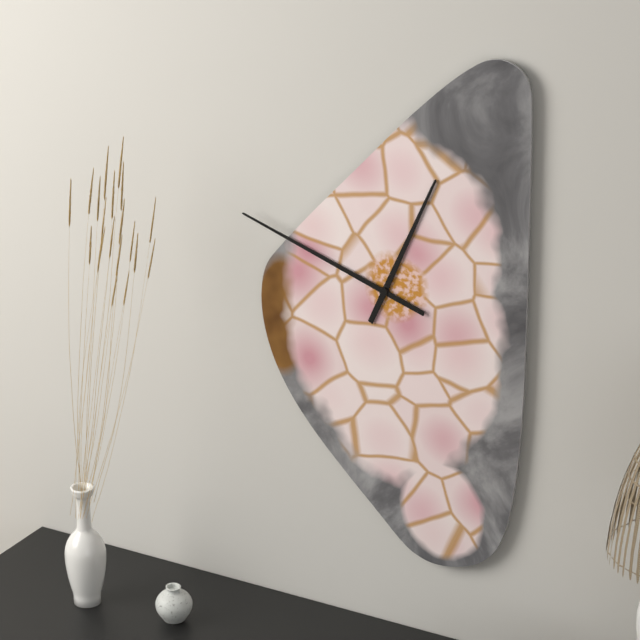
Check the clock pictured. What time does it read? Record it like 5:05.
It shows 12:48
